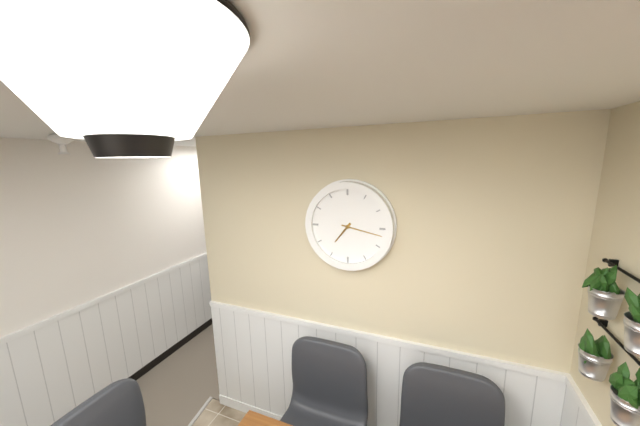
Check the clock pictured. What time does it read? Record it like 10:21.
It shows 7:17
